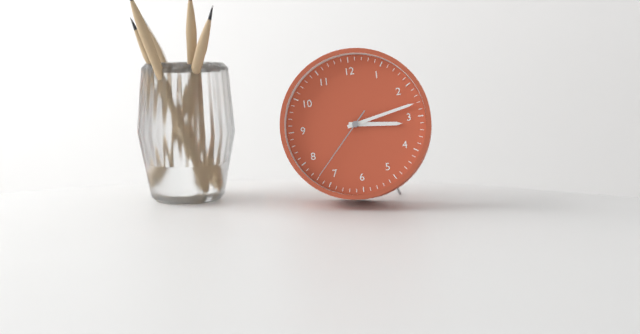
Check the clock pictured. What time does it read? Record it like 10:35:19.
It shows 3:13:37
